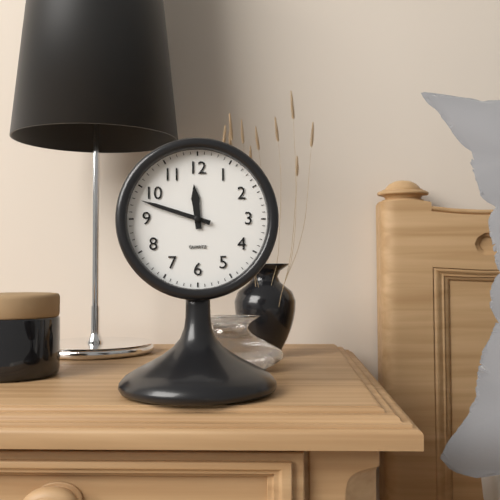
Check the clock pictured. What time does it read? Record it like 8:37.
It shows 11:48
